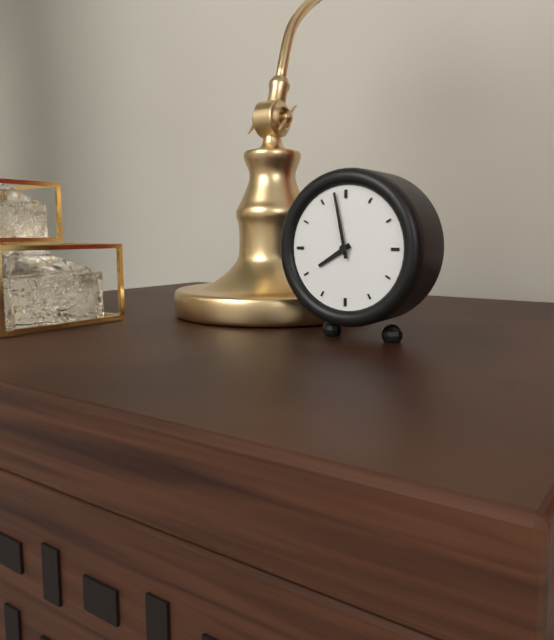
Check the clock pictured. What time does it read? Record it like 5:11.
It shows 7:58
